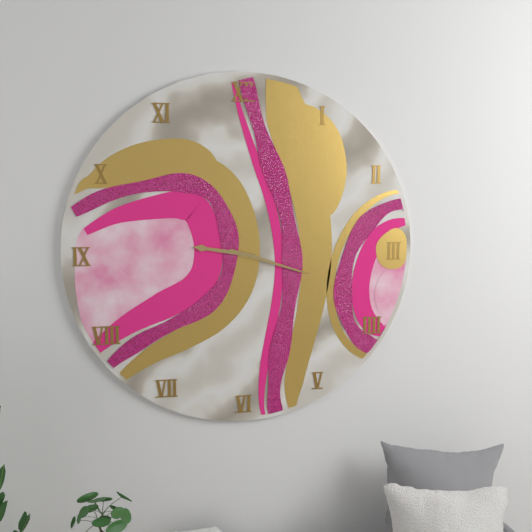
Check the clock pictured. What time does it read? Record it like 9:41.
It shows 9:18
